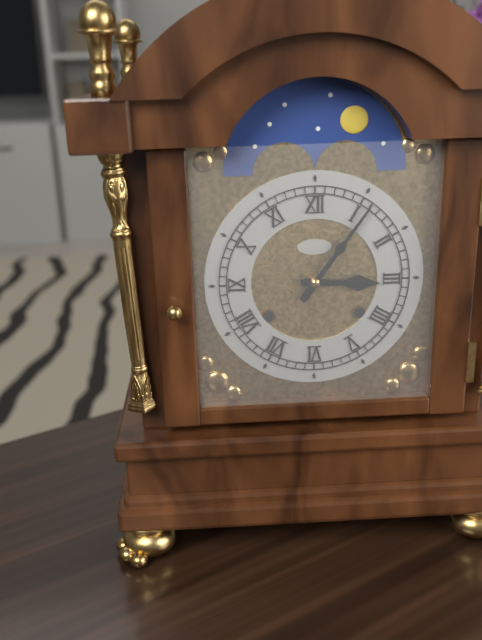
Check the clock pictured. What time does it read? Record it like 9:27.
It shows 3:06
